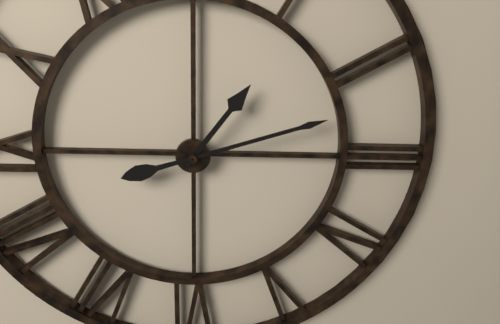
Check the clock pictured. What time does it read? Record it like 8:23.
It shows 1:12
